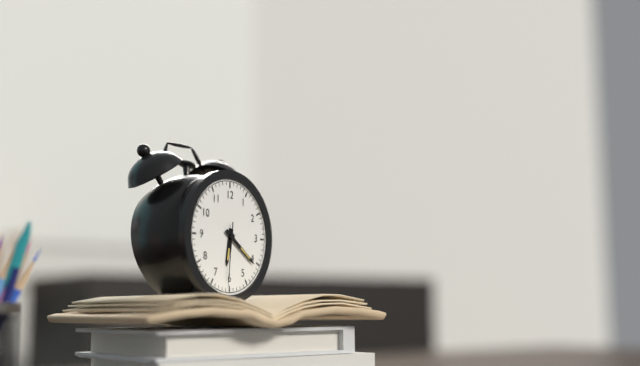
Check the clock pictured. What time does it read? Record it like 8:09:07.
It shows 6:21:31
